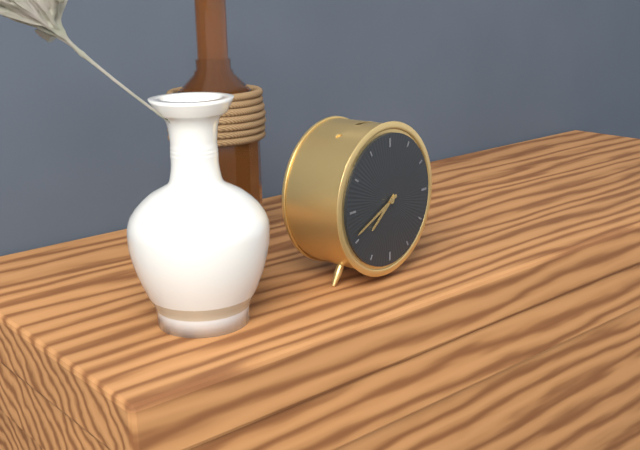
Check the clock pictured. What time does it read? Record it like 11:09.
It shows 7:41
